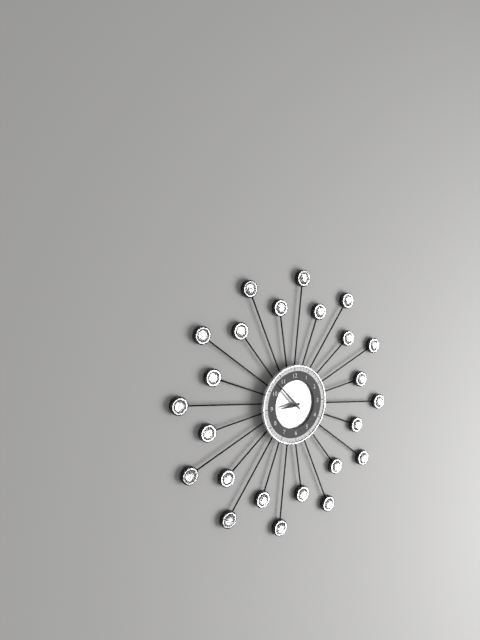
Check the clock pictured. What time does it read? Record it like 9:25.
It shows 8:53
